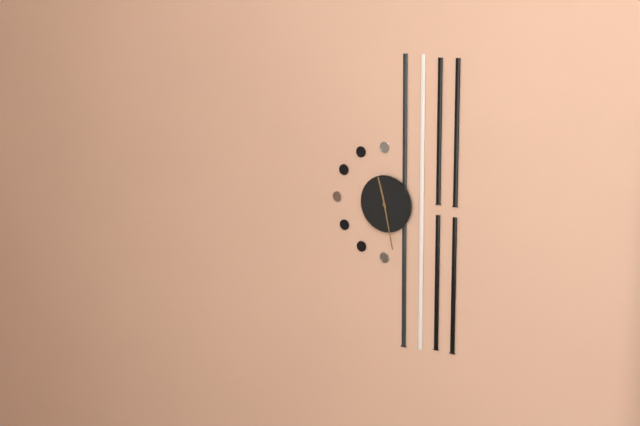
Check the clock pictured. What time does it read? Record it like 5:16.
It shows 11:28
